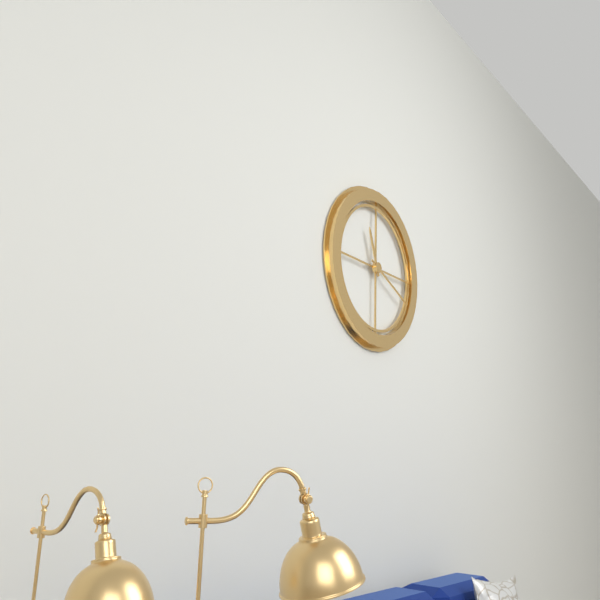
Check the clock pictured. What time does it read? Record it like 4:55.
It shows 11:19
